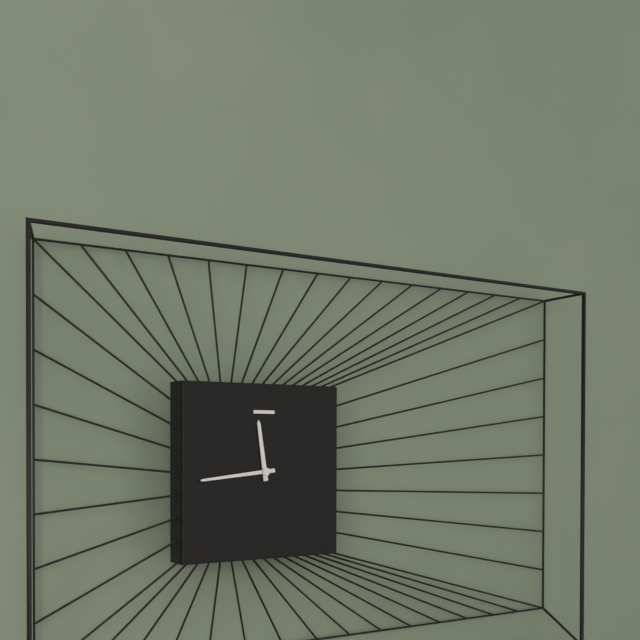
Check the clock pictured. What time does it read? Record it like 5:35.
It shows 11:44
